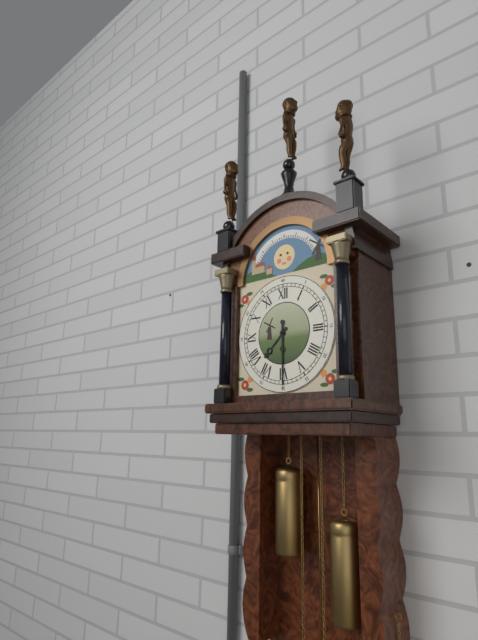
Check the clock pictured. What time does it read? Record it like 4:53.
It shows 7:30
